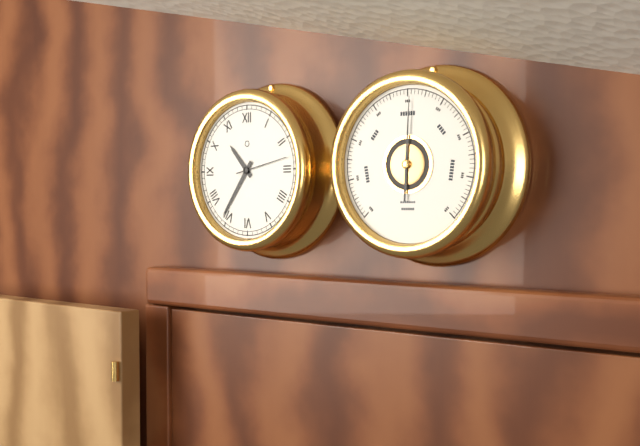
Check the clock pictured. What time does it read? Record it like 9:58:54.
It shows 10:36:13
